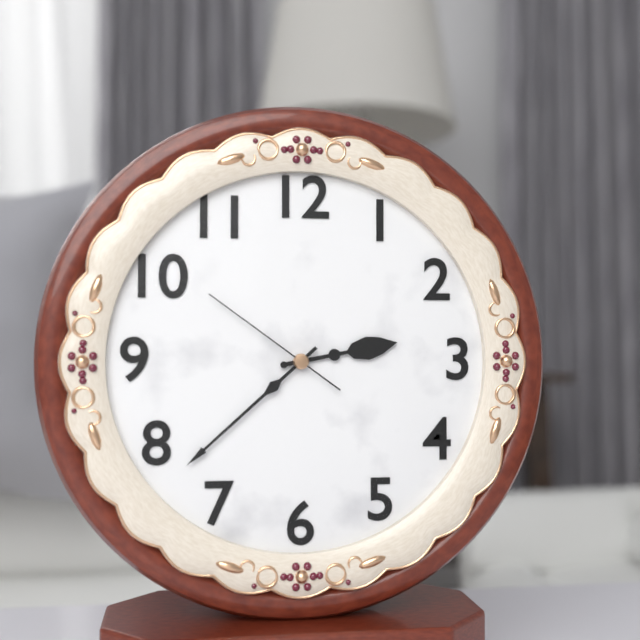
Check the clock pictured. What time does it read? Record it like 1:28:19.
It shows 2:38:51
